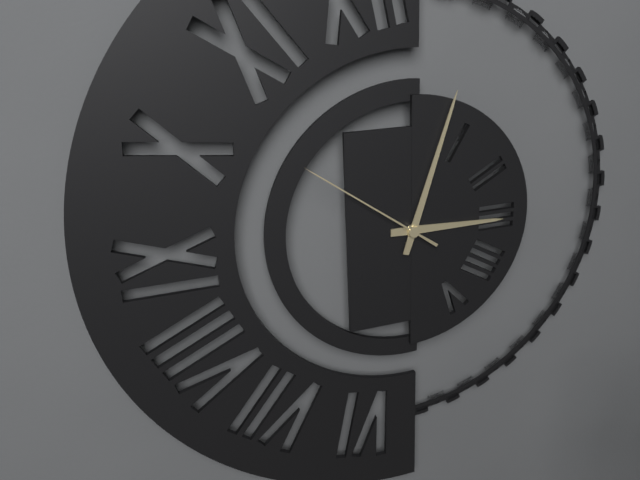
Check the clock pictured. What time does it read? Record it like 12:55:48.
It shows 3:03:51
